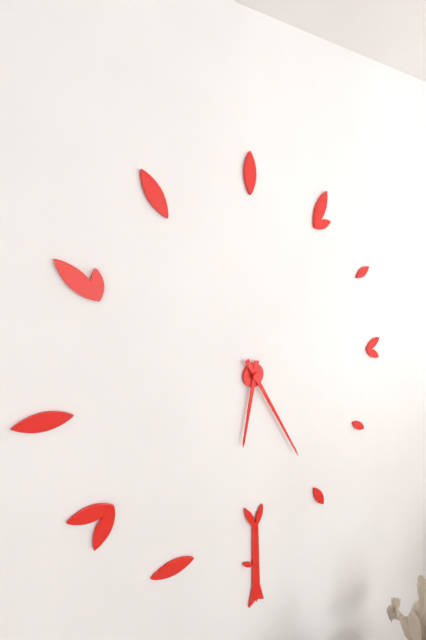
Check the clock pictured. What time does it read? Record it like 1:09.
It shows 6:25
